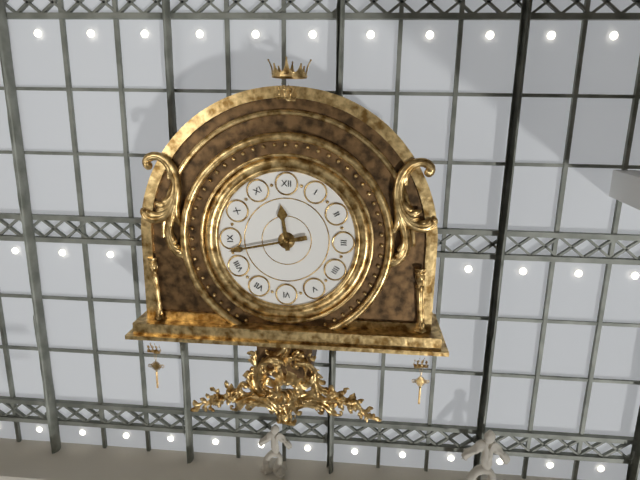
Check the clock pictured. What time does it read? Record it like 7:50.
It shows 11:43
